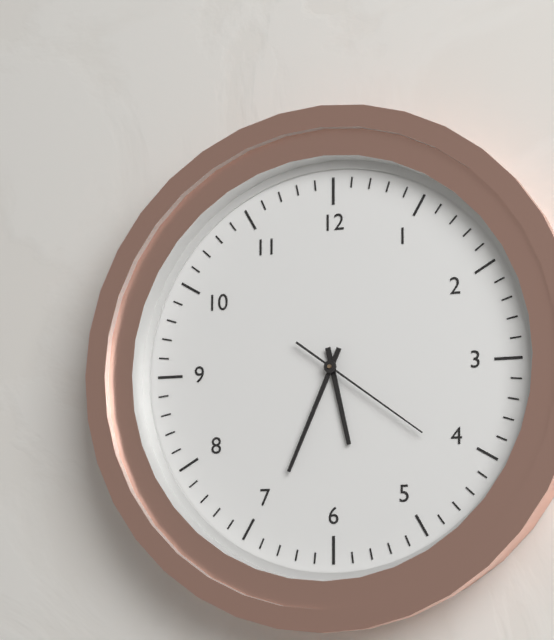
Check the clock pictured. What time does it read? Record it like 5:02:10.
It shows 5:34:21
